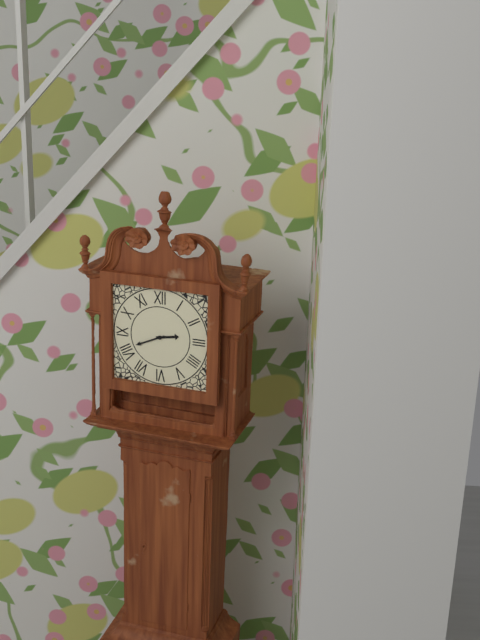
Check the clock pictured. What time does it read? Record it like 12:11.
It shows 2:41
